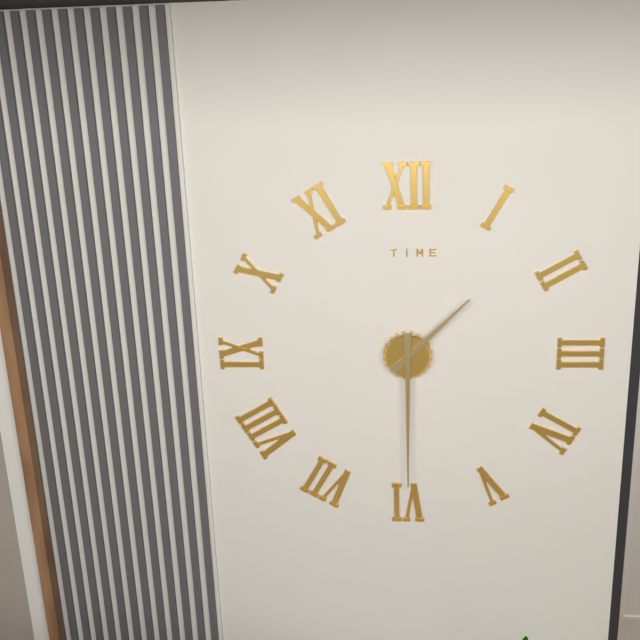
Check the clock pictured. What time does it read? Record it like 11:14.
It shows 1:30
